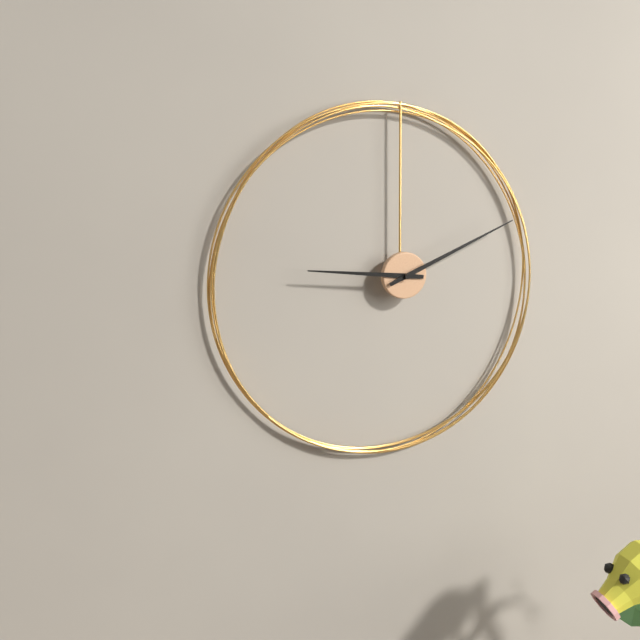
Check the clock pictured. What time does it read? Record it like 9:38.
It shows 9:11
